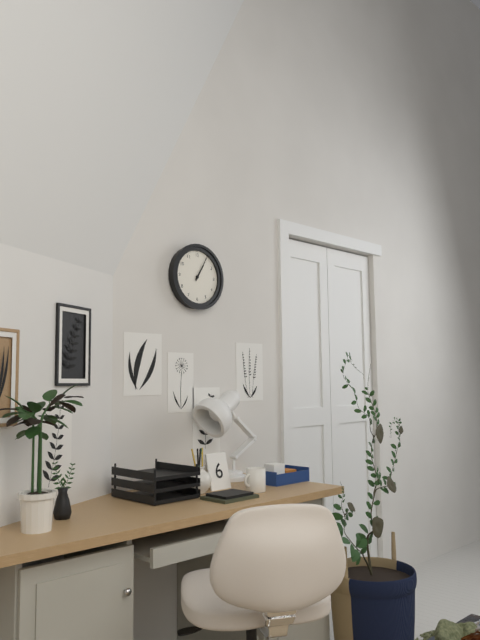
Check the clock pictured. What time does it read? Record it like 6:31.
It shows 1:05
